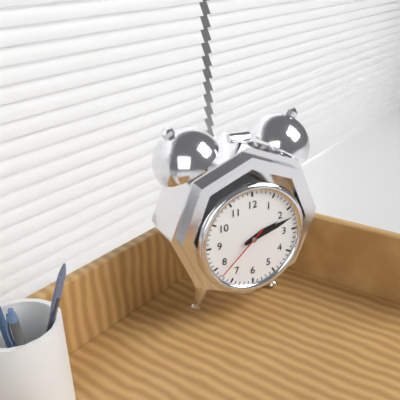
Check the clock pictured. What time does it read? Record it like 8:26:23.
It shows 2:12:38
